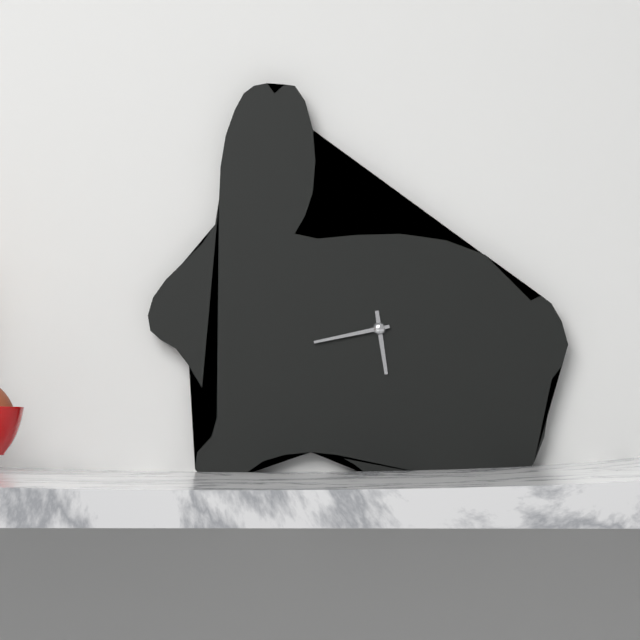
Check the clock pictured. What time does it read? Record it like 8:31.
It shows 5:43
